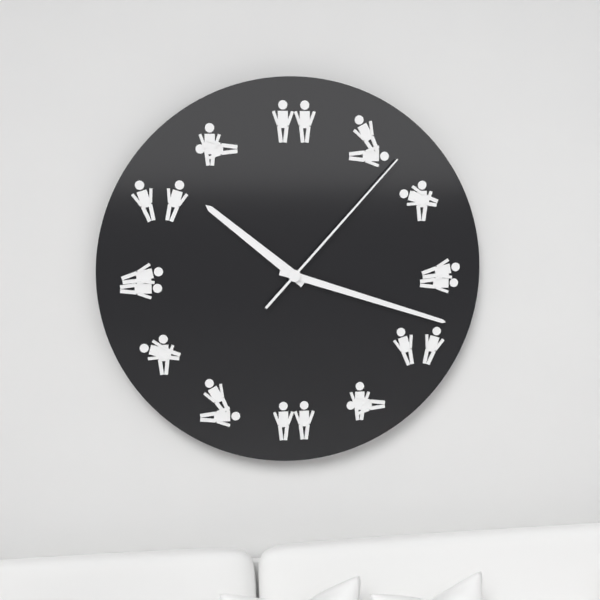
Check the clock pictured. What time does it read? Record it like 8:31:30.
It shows 10:18:07
